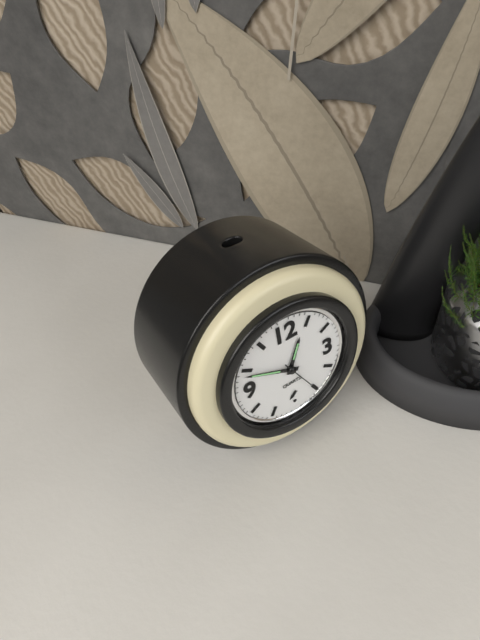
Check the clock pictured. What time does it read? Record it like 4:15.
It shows 12:49
